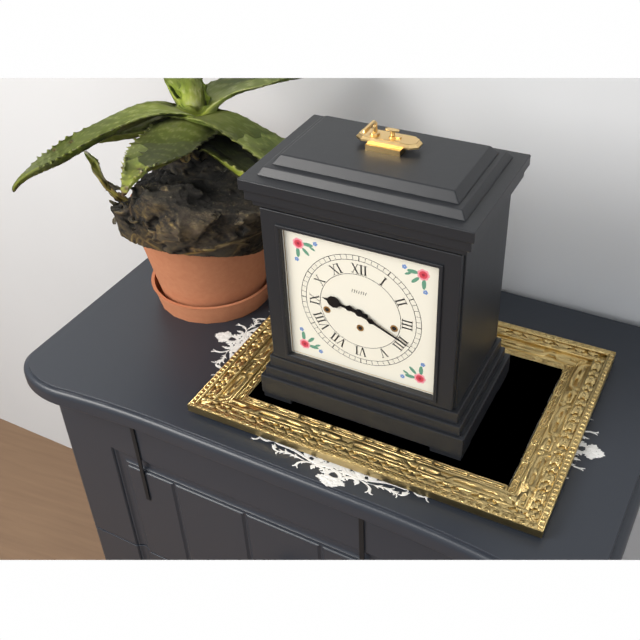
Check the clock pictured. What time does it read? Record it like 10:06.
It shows 9:19
